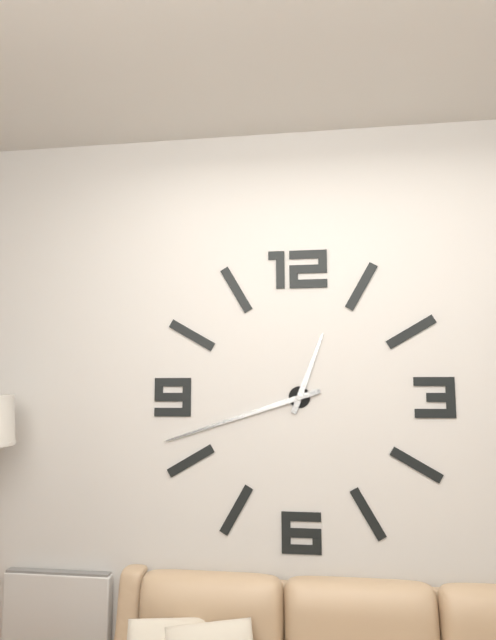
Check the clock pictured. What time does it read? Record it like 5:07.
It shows 12:42
